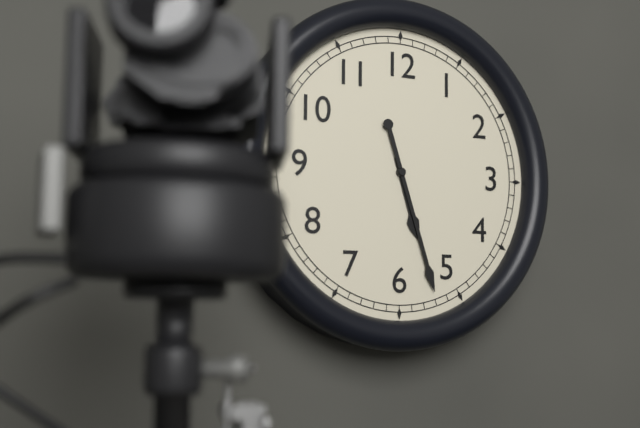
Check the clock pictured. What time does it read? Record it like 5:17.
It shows 5:27
